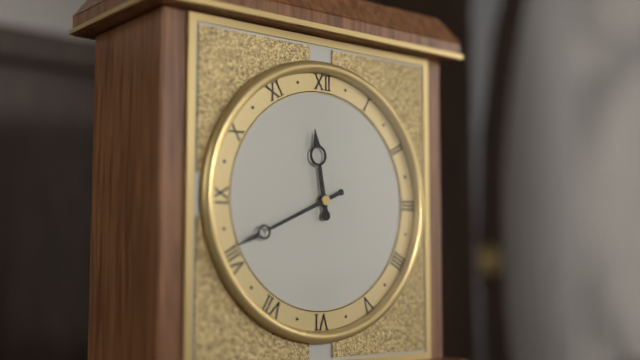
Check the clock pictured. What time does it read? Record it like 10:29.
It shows 11:41
